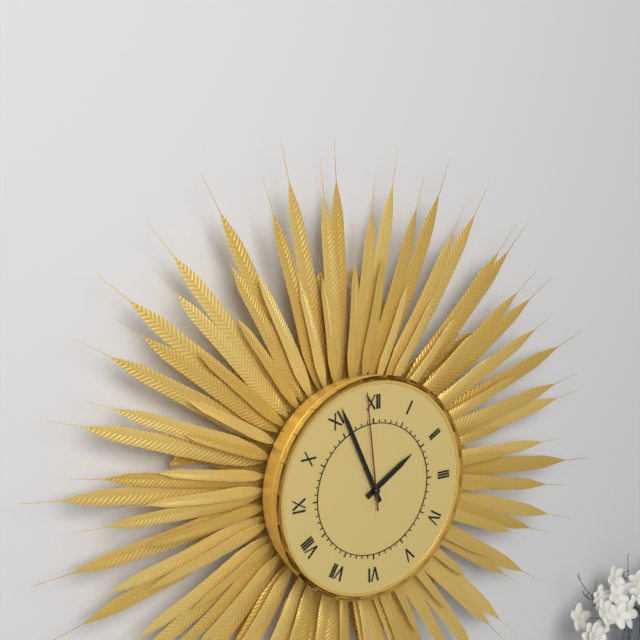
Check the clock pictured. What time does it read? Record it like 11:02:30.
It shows 1:56:59
